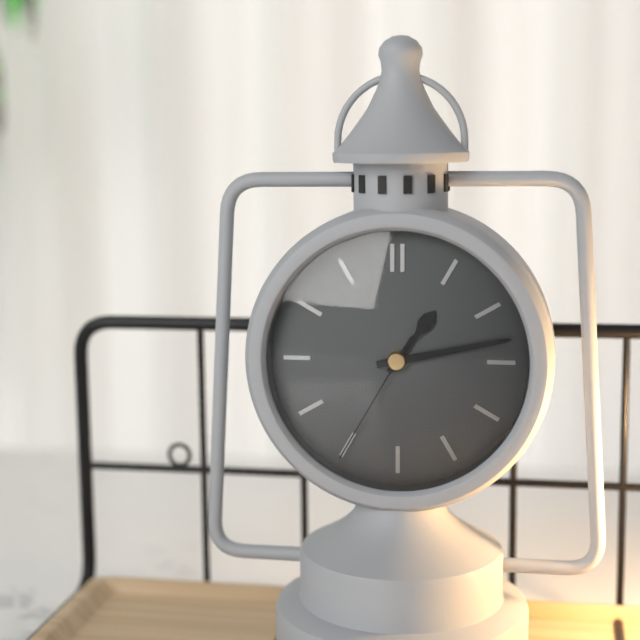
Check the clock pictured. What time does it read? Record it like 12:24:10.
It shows 1:13:35
